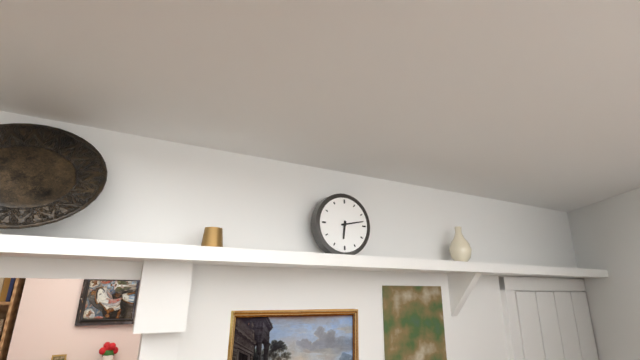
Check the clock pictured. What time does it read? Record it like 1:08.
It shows 6:13
